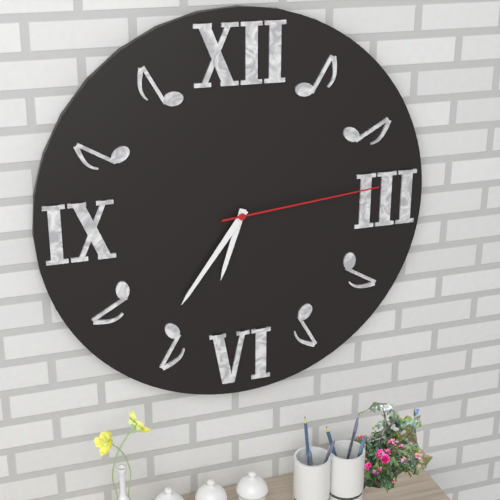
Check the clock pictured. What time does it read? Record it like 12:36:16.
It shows 6:36:14
